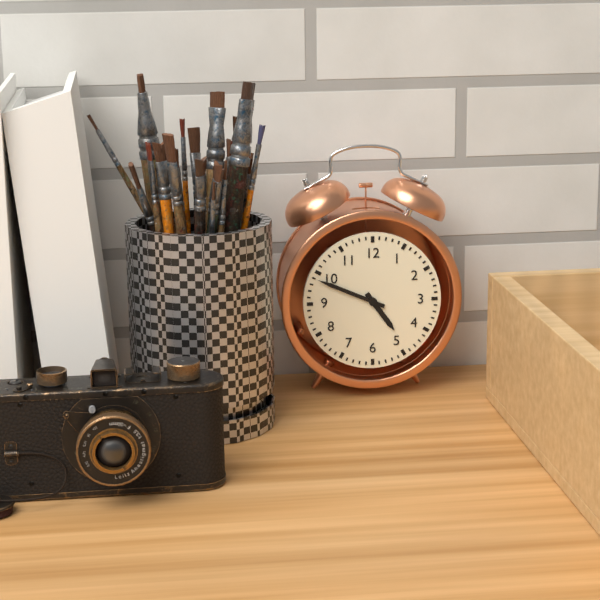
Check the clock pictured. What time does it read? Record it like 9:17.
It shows 4:49
